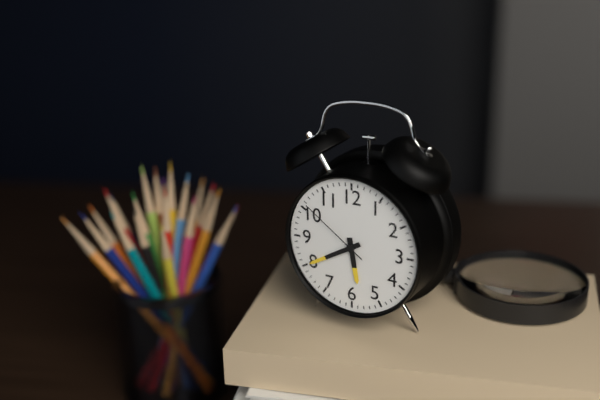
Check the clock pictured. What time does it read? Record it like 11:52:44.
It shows 5:40:51
